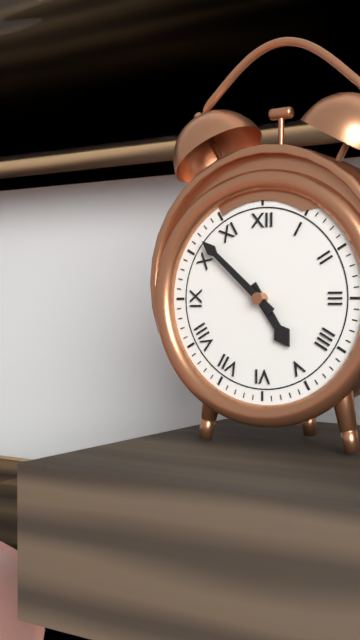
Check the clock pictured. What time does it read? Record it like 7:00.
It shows 4:52
